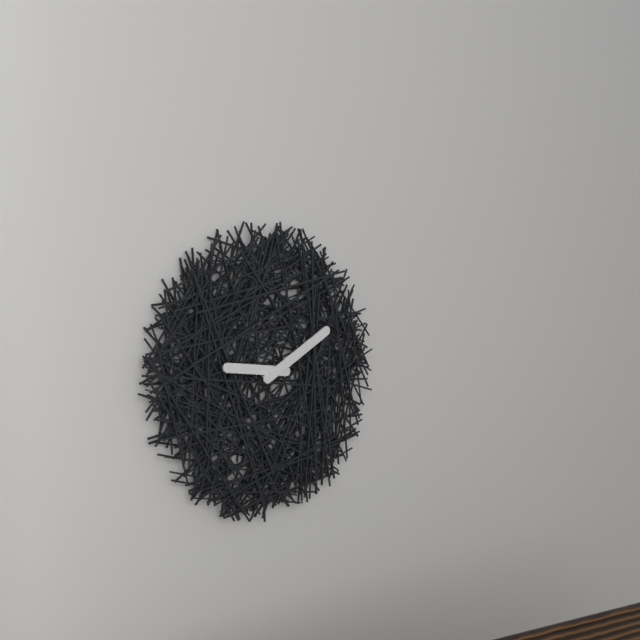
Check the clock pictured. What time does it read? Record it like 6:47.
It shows 9:10
